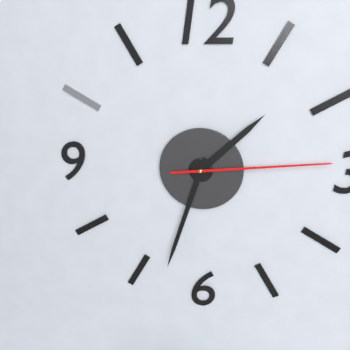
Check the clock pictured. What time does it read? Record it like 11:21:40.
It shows 1:33:14
